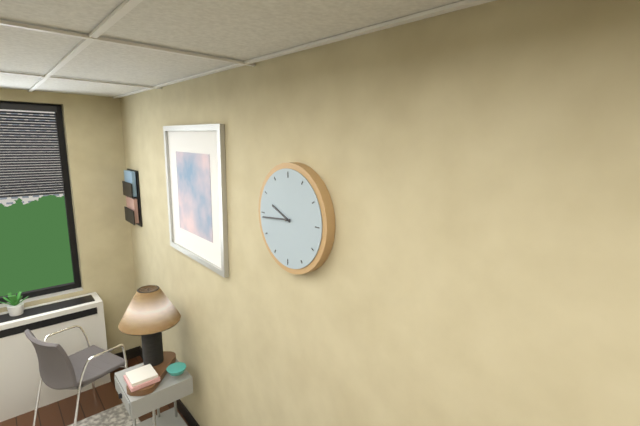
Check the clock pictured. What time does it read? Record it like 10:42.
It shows 9:44
